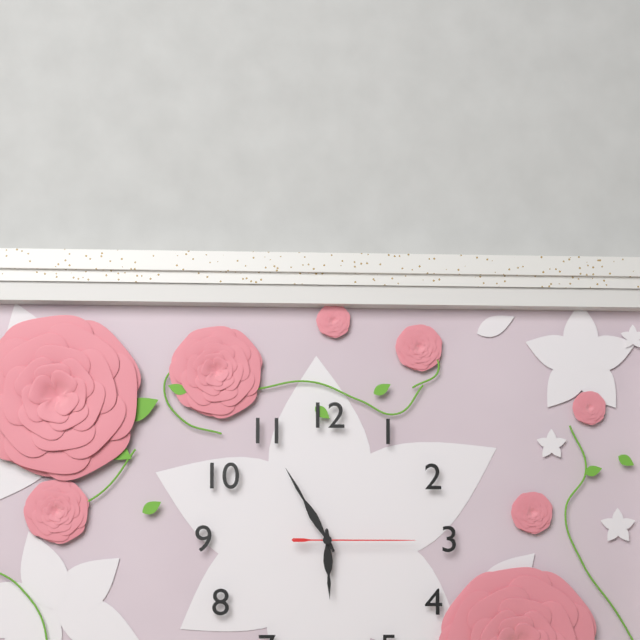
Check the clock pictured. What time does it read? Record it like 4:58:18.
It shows 5:55:15
